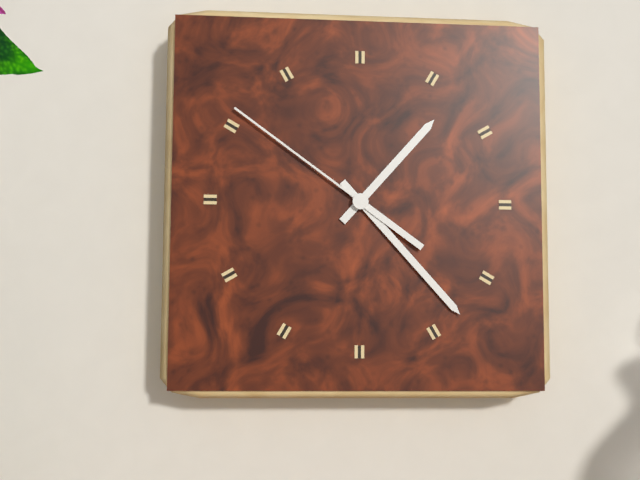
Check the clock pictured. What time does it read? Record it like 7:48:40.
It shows 1:23:51
